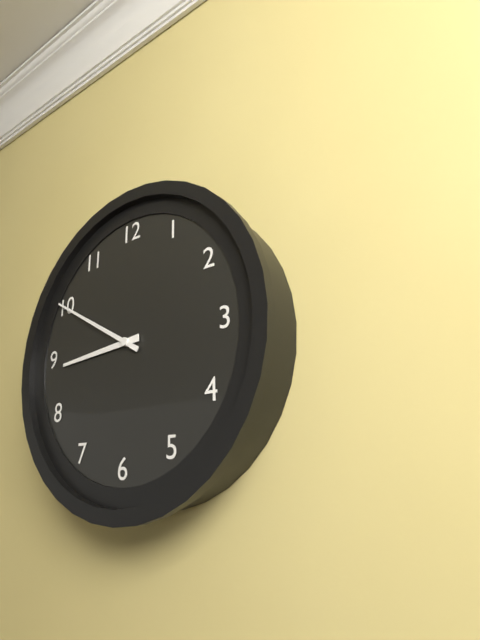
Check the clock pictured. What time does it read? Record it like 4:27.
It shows 8:50
